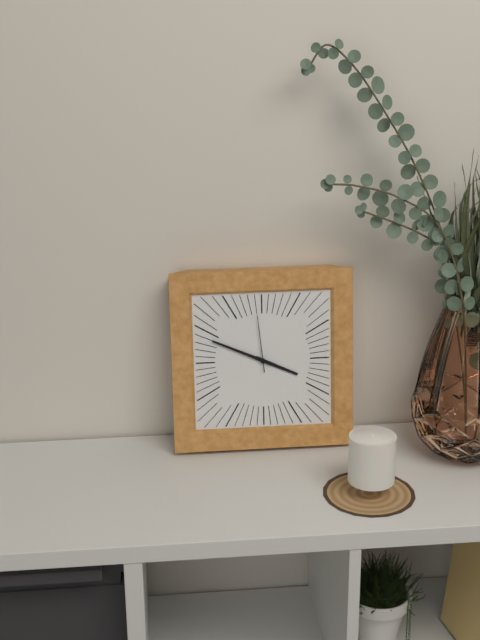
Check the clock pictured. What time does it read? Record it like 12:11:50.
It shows 3:49:59
